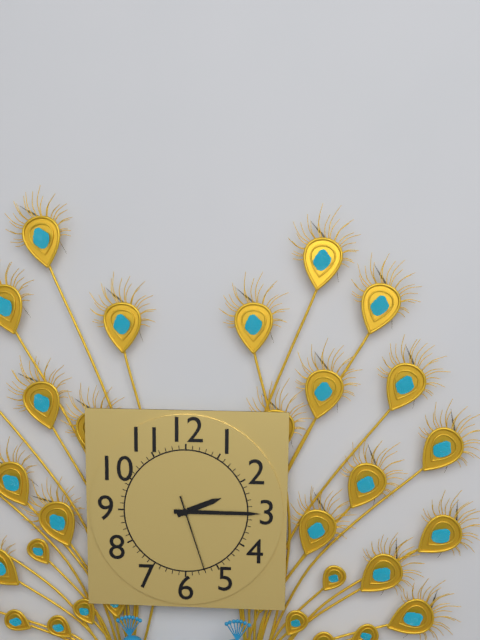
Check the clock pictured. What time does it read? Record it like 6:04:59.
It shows 2:15:27
